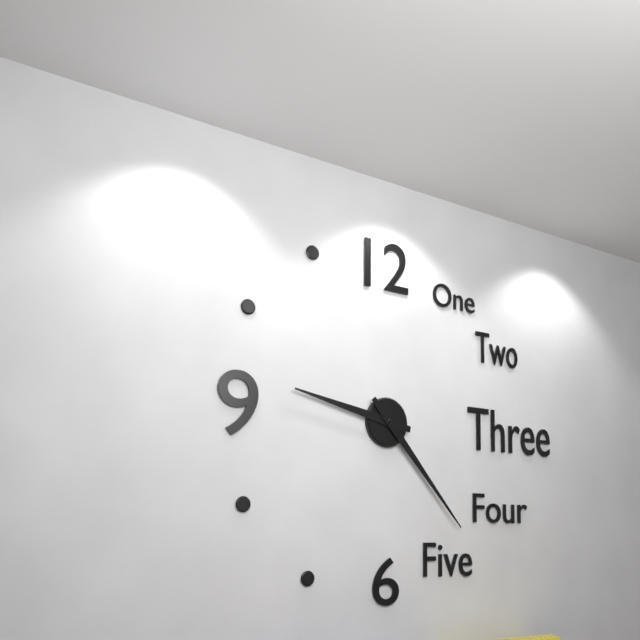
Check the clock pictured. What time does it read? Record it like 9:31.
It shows 9:23
